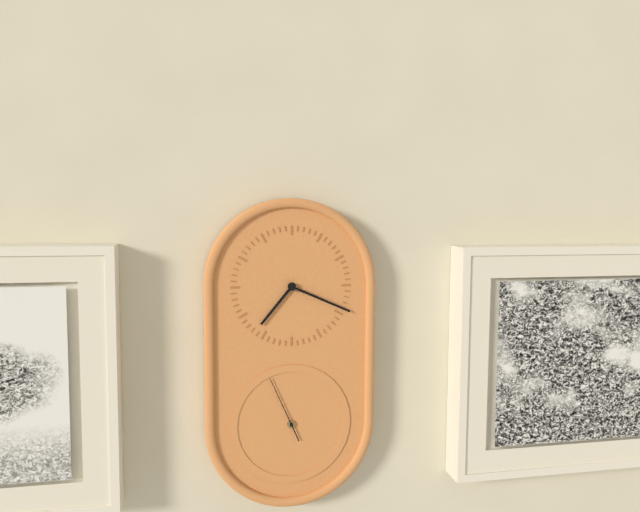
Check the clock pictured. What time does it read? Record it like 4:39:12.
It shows 7:19:56
